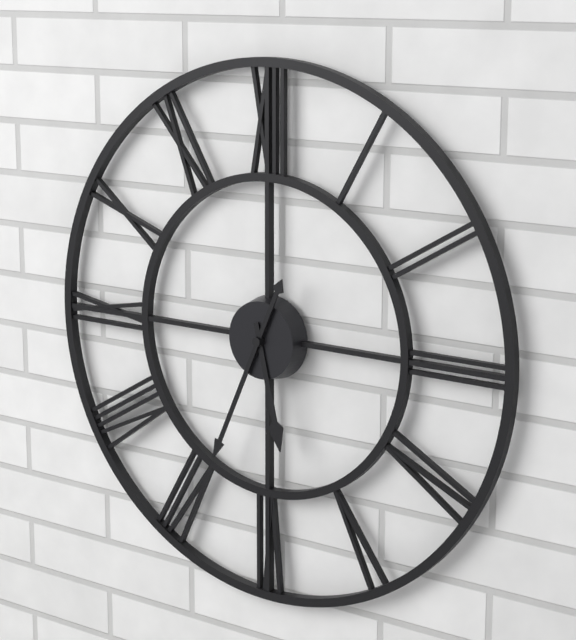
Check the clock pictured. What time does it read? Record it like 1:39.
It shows 5:34
